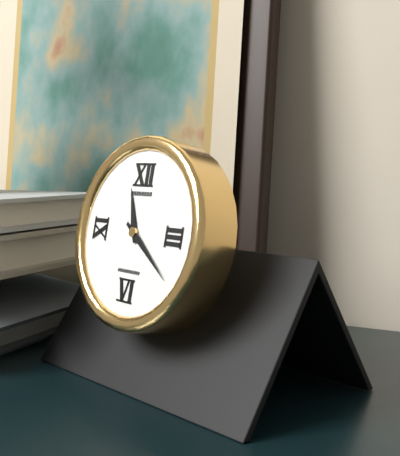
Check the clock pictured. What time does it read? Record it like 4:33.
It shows 11:21
